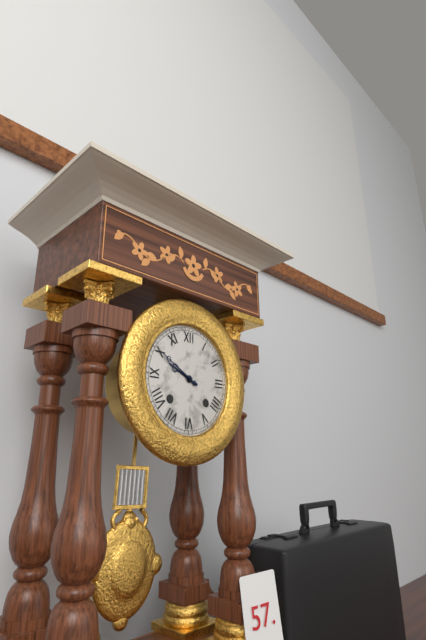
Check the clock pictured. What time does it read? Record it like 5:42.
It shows 9:50
